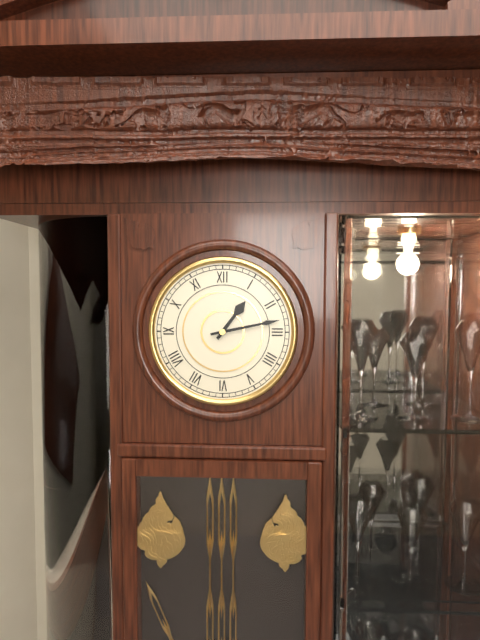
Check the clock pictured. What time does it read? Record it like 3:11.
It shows 1:13
